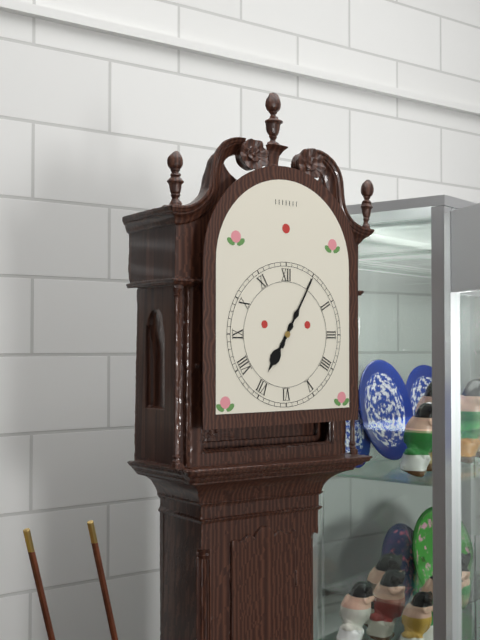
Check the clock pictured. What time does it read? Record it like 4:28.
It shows 7:05
